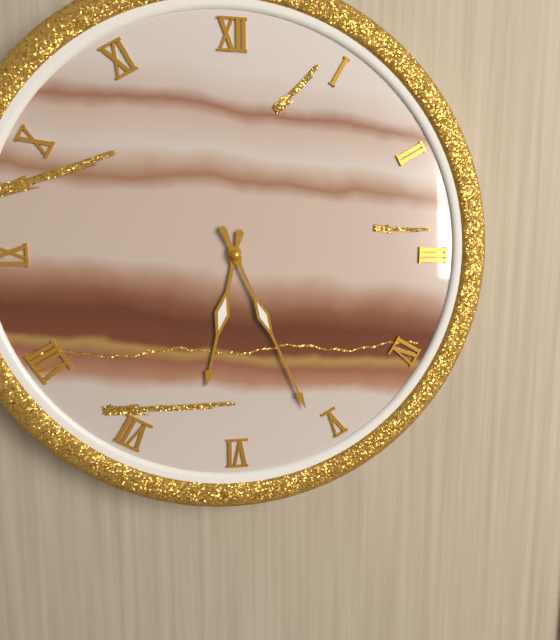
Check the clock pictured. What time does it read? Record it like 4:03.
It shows 6:26
